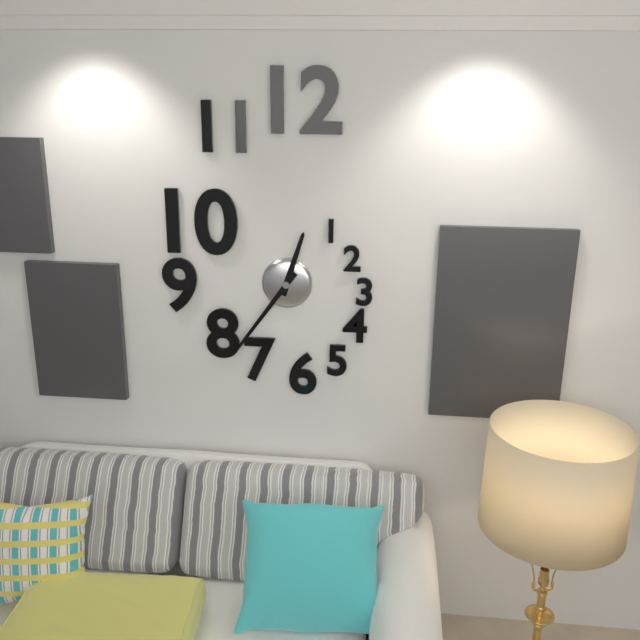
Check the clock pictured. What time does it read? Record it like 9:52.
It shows 12:36
